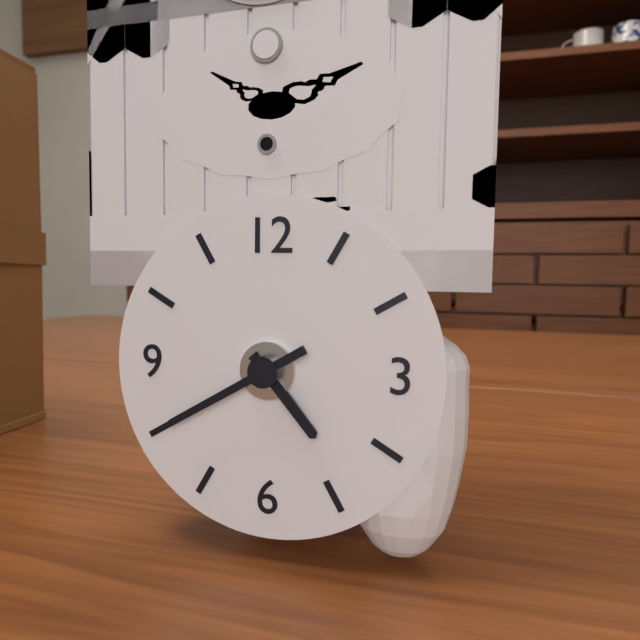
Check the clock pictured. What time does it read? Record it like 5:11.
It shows 4:40
